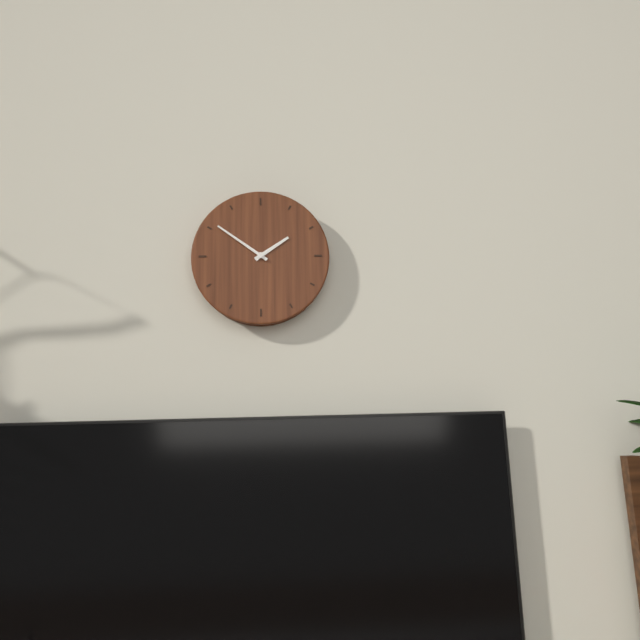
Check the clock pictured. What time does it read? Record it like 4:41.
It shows 1:51
